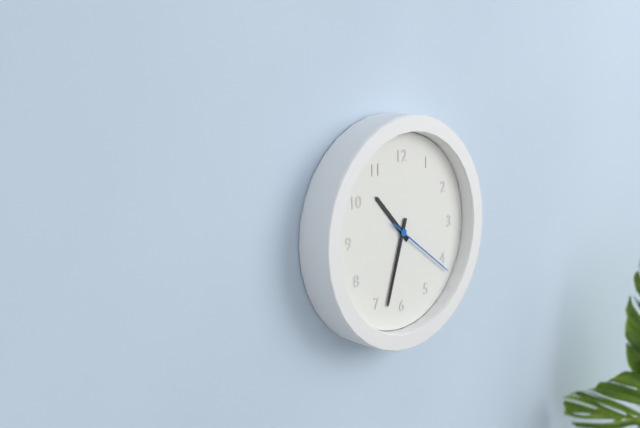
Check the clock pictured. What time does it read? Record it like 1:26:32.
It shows 10:33:21
